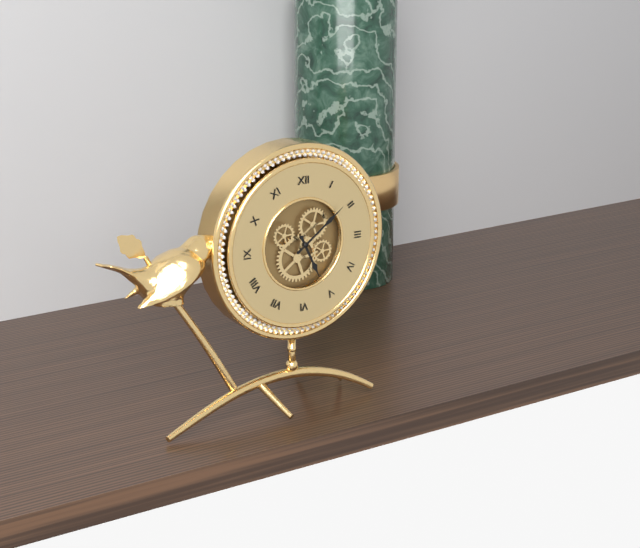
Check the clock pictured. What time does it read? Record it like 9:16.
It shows 5:09
